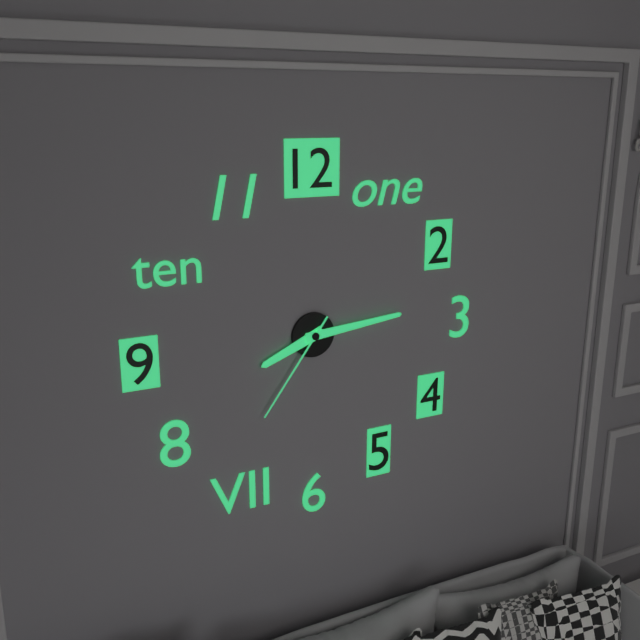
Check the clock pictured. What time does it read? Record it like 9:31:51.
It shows 8:14:36
